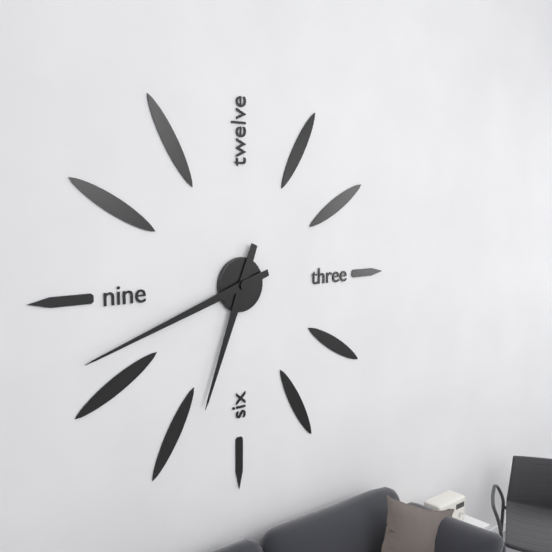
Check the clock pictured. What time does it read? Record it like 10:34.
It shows 6:42
